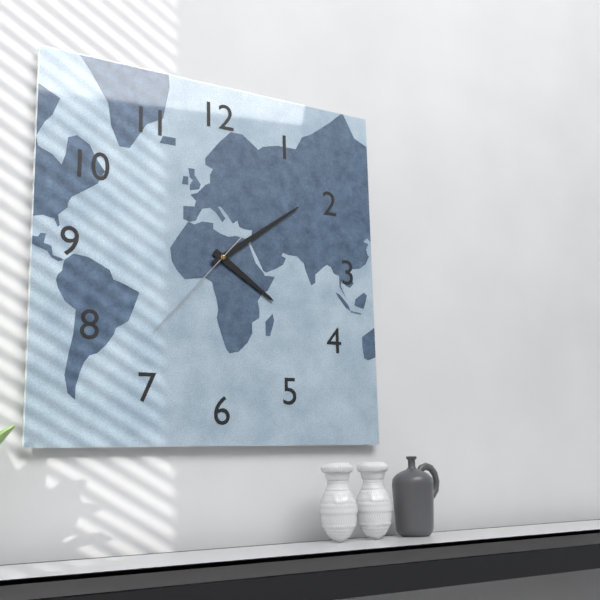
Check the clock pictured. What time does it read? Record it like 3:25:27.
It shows 4:09:37
